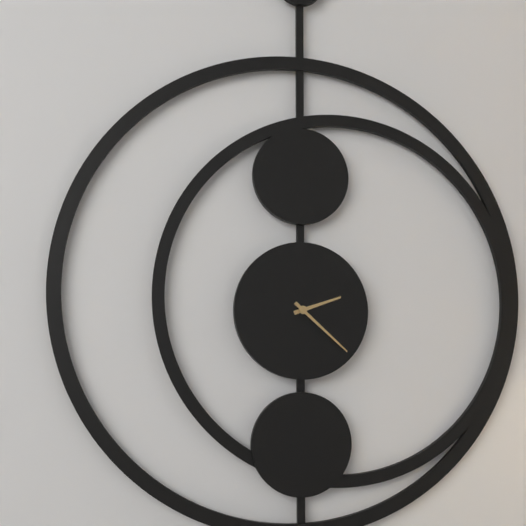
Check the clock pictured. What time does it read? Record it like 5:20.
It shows 2:22
